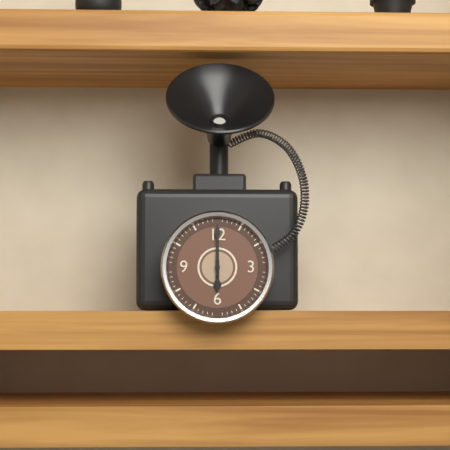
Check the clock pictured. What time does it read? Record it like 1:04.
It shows 6:00
